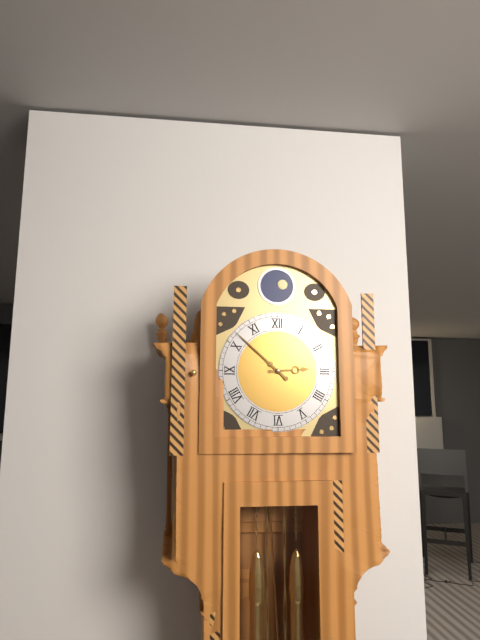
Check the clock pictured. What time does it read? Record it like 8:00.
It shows 2:52
